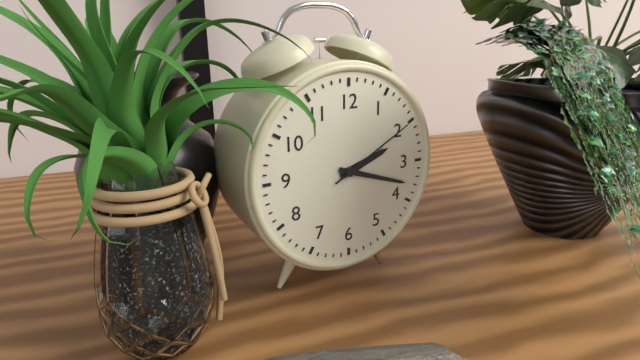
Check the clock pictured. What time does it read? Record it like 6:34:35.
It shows 2:18:10
